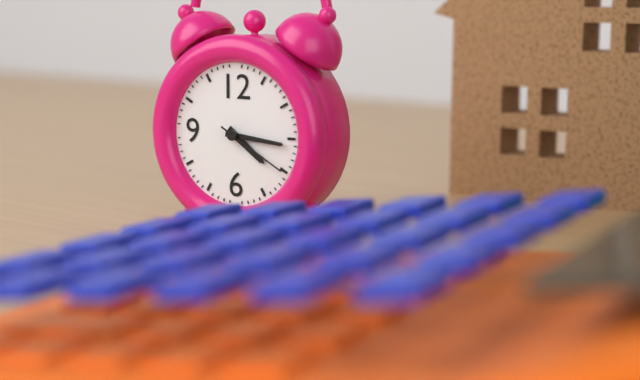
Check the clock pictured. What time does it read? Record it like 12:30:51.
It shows 4:16:20
